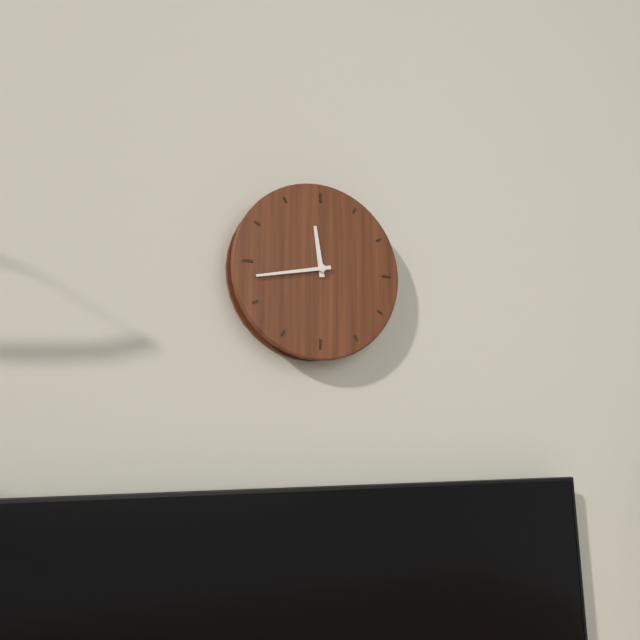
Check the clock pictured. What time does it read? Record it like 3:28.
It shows 11:43
